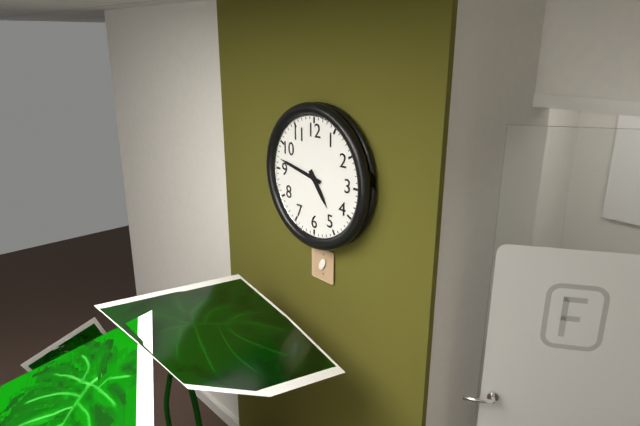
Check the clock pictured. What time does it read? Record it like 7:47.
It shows 4:47
